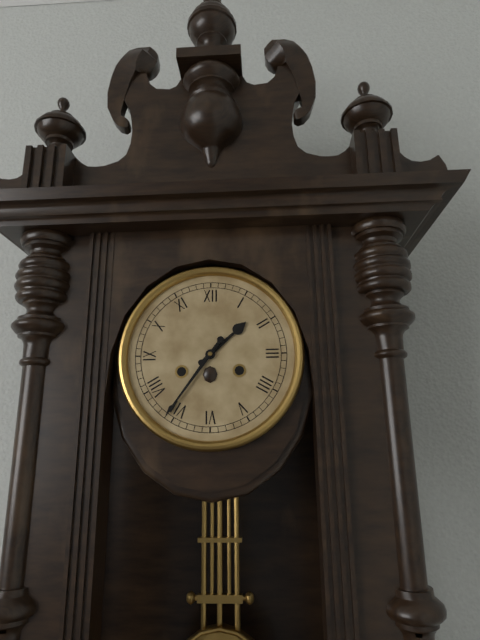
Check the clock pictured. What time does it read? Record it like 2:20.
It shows 1:36
